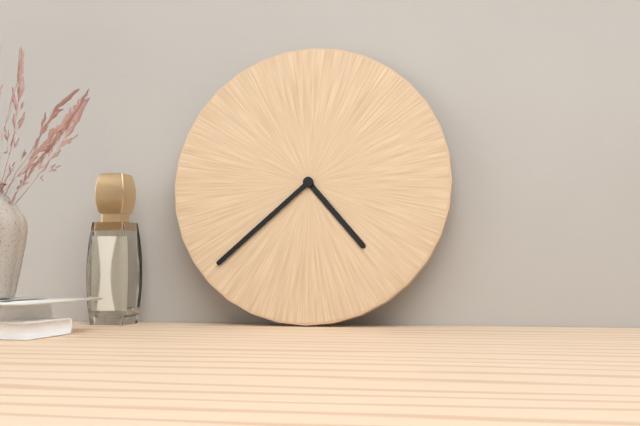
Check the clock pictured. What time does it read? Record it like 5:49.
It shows 4:38
